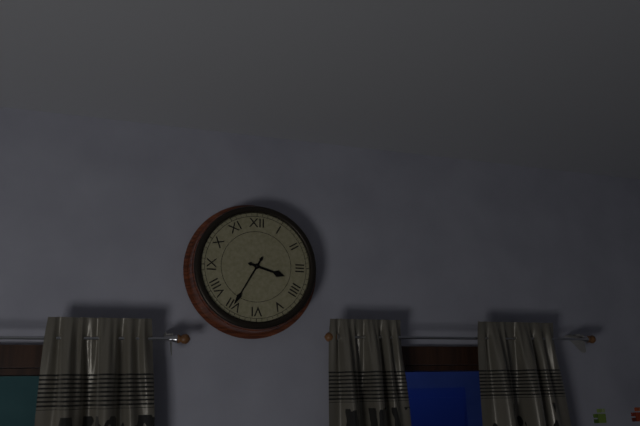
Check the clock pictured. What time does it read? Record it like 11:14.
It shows 3:35
